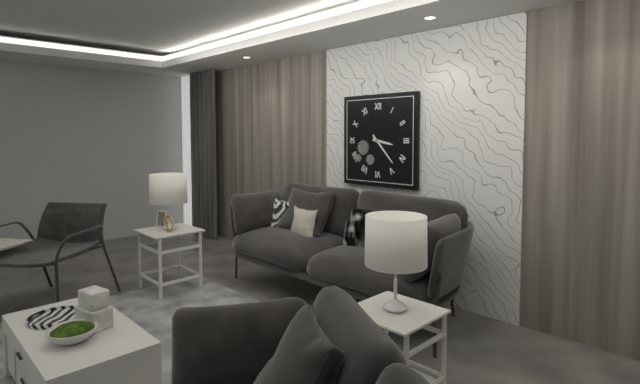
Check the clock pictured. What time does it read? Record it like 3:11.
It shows 3:23
